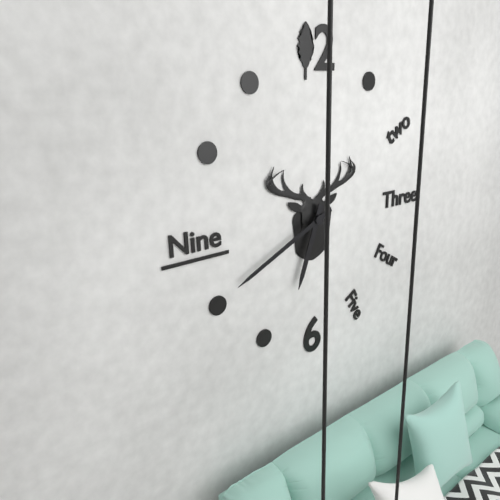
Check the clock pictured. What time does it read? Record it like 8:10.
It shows 6:41
